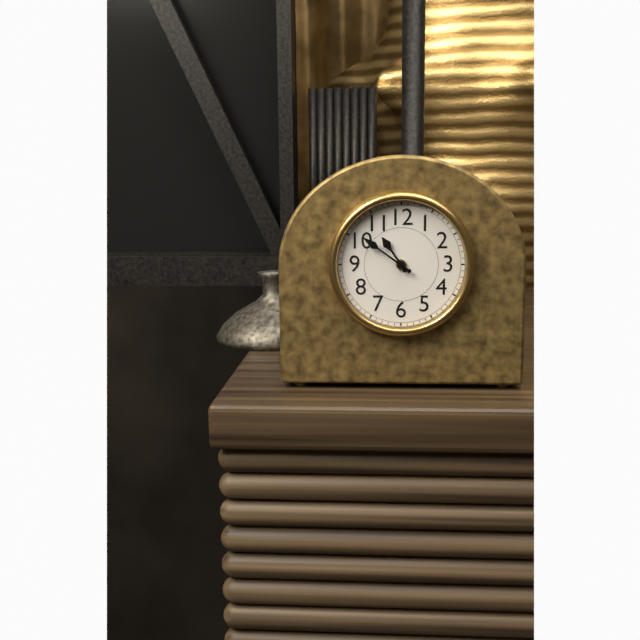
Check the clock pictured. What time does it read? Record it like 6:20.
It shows 10:51
